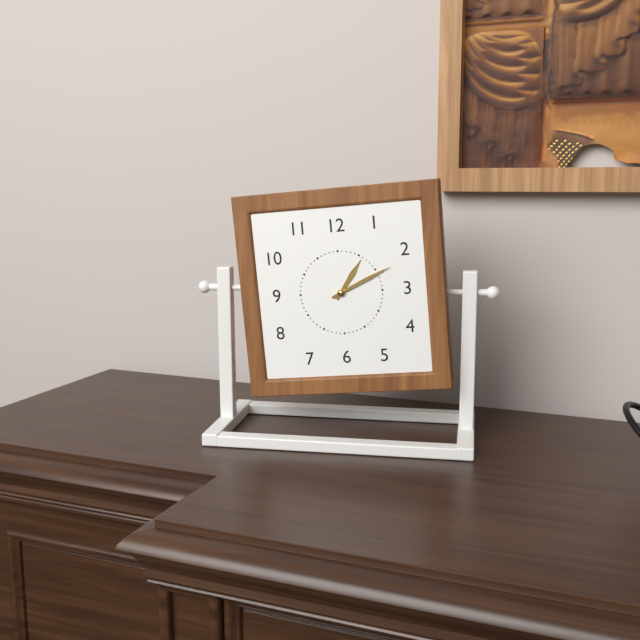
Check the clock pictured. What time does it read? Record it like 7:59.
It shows 1:11
